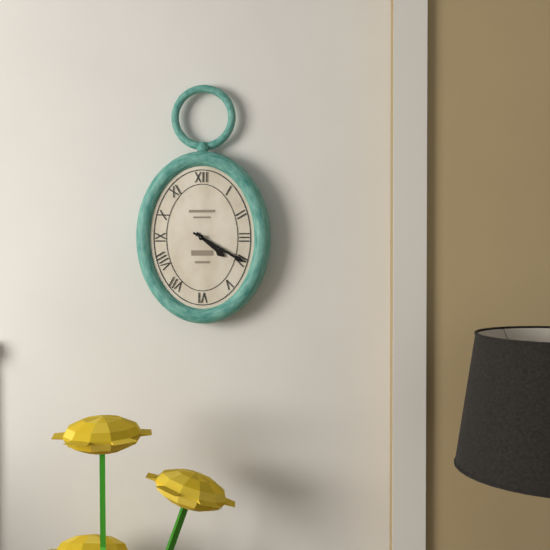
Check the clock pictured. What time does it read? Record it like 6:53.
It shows 4:20
